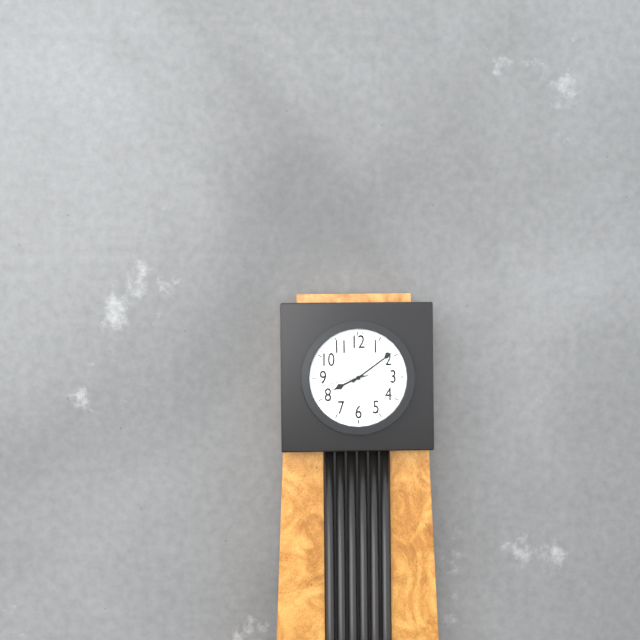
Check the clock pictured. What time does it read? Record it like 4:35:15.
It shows 8:09:43
